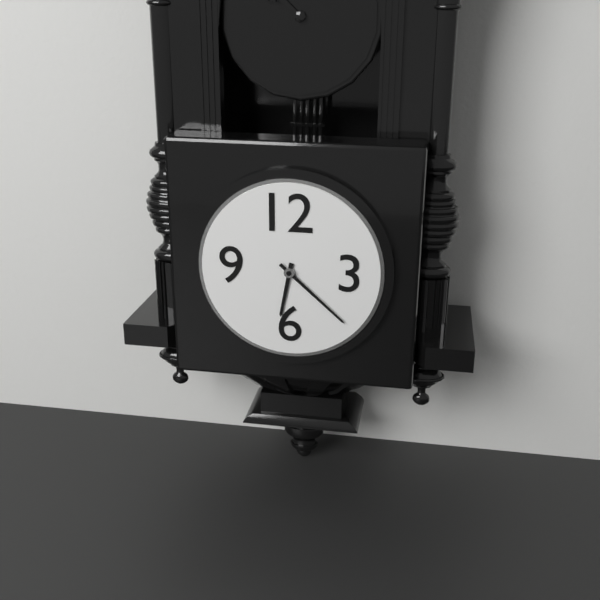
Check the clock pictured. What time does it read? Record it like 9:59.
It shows 6:22
